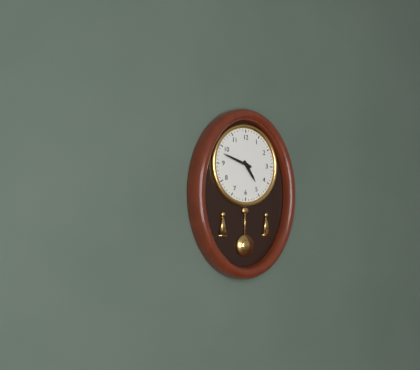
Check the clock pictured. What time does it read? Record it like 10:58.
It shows 4:48
